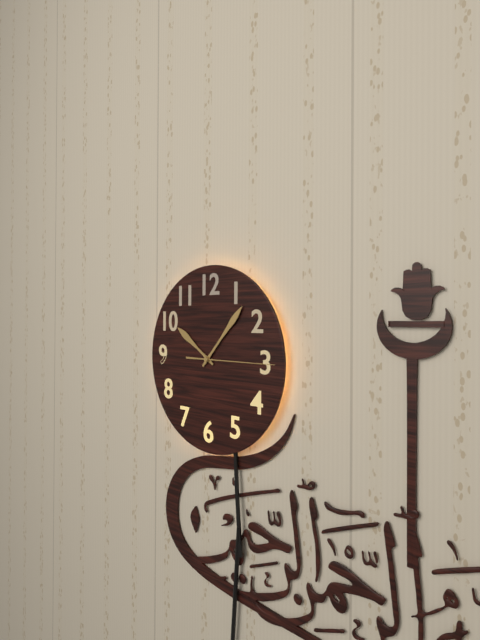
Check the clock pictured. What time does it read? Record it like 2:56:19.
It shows 10:07:15
